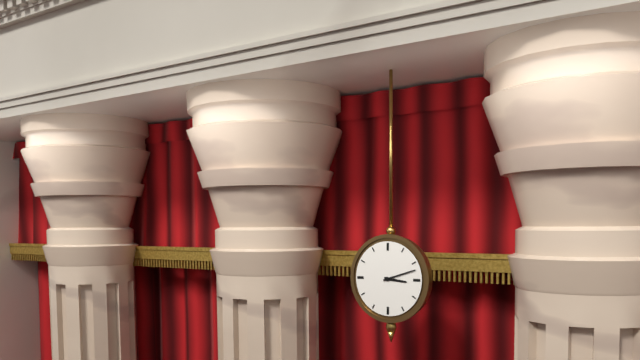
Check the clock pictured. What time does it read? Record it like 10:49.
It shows 3:12
